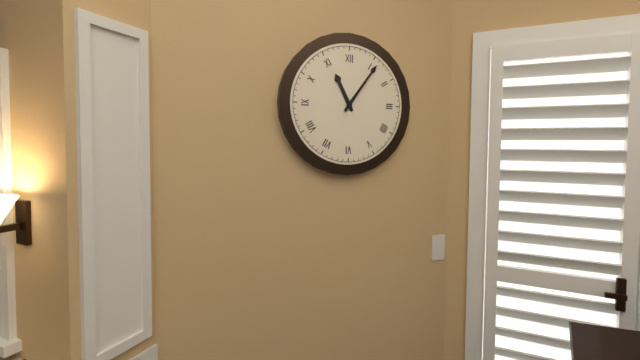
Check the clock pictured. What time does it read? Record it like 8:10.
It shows 11:06
